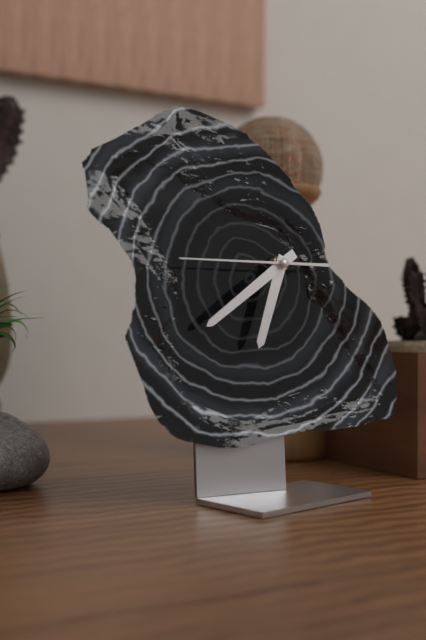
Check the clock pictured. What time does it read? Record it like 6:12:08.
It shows 6:39:45
